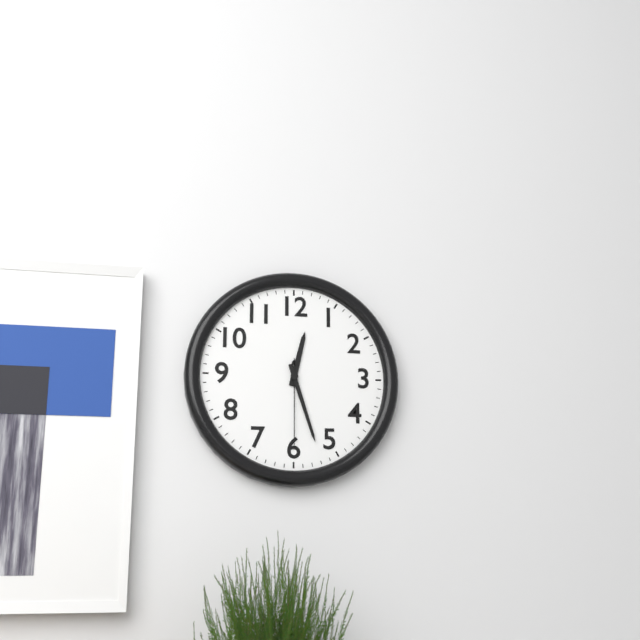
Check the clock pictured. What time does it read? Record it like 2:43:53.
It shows 12:27:30
